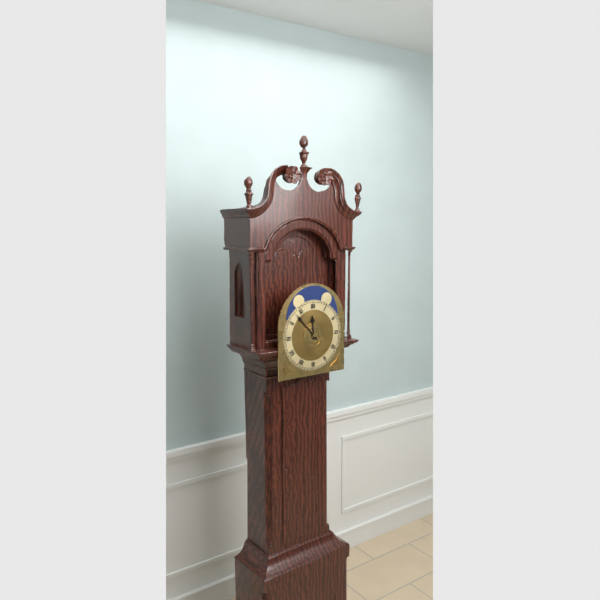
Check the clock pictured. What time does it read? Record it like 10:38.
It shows 11:53
